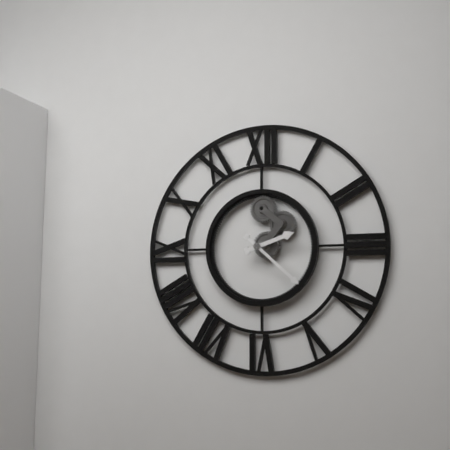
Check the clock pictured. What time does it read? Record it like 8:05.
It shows 2:22
